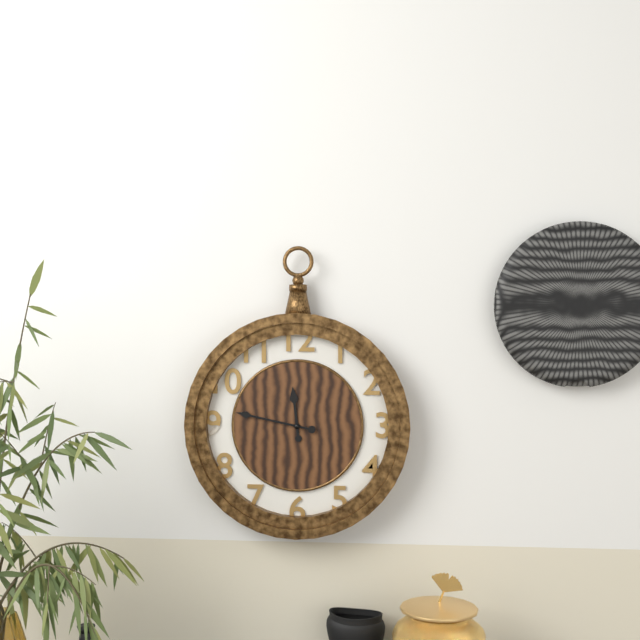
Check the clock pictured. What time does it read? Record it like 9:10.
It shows 11:47
